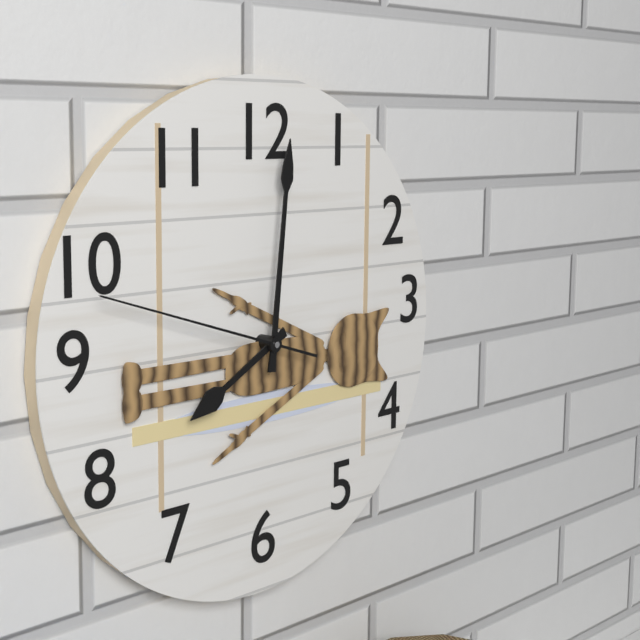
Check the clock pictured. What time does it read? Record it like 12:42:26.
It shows 8:01:48
